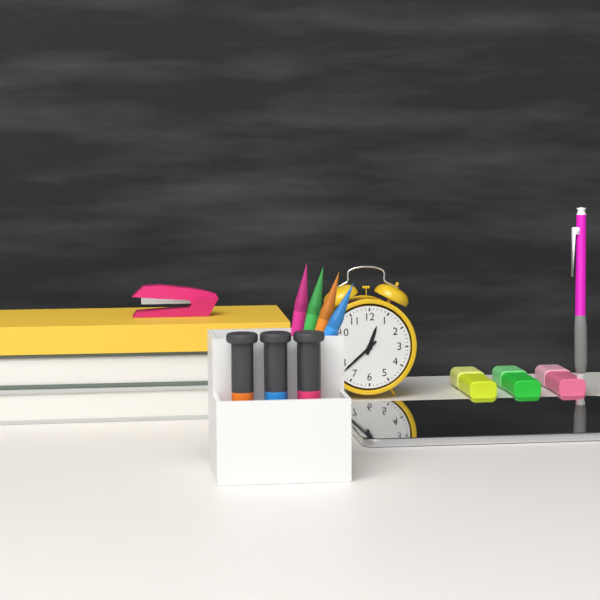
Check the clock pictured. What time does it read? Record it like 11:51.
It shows 12:38
